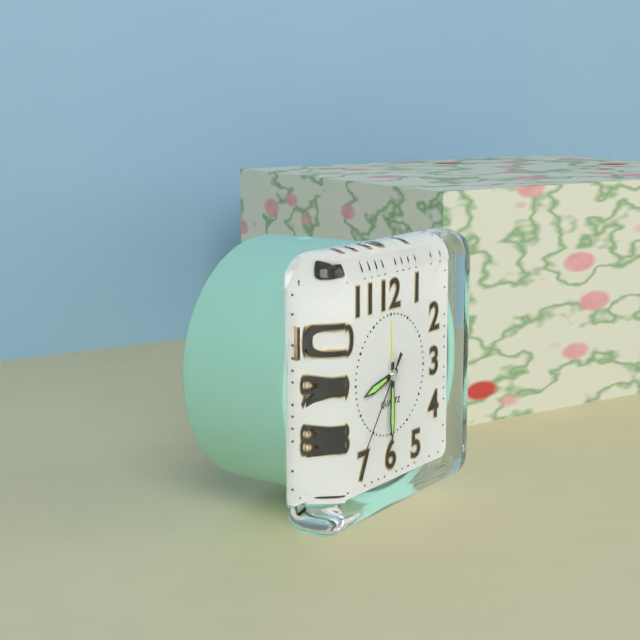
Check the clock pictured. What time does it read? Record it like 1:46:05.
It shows 8:30:36
